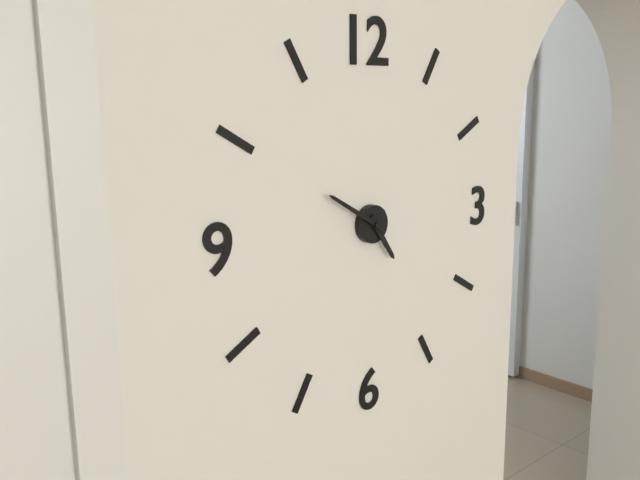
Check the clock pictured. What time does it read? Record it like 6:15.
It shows 4:50
